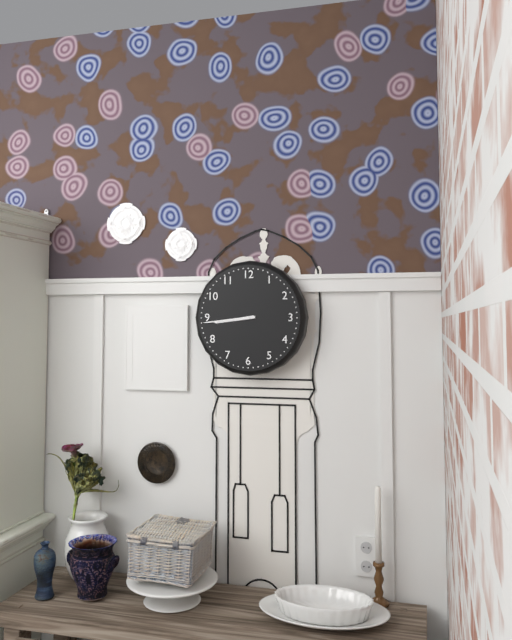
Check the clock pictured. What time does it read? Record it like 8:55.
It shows 8:44
